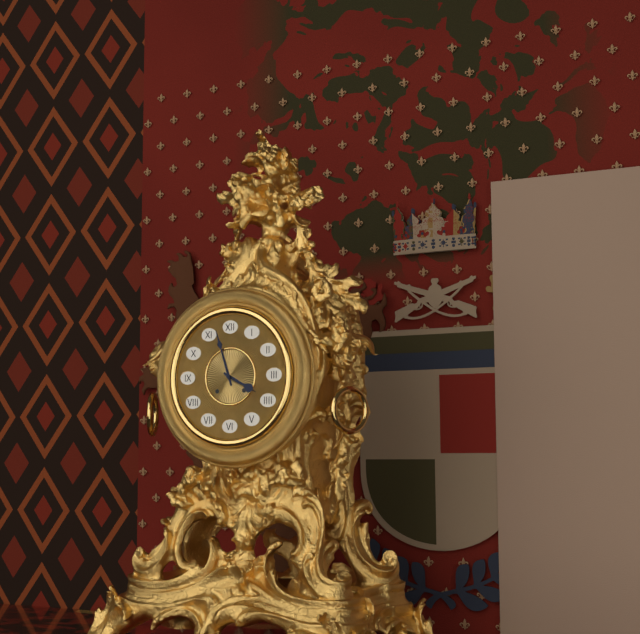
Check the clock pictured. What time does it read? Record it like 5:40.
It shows 3:57
